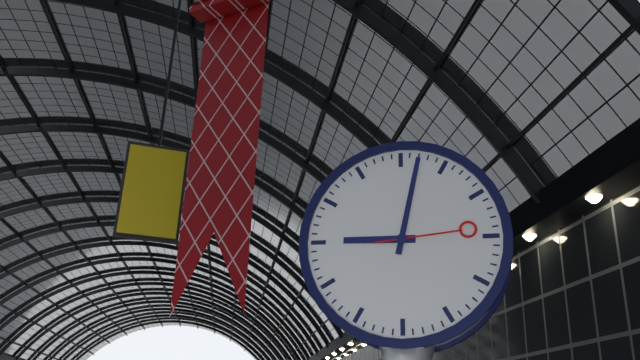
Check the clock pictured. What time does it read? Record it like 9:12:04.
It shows 9:02:14
